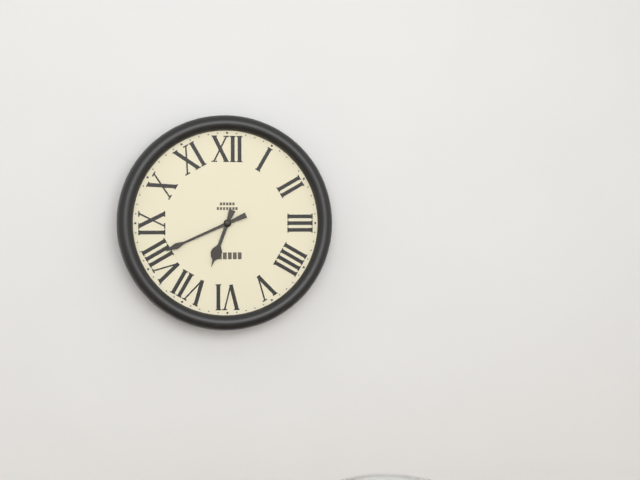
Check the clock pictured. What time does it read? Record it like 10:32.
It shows 6:41
